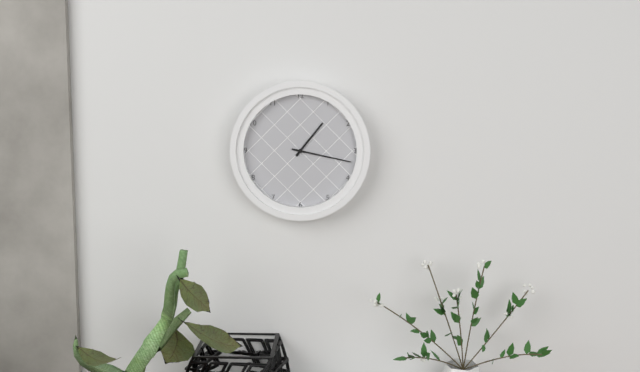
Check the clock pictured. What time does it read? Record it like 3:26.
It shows 1:17
